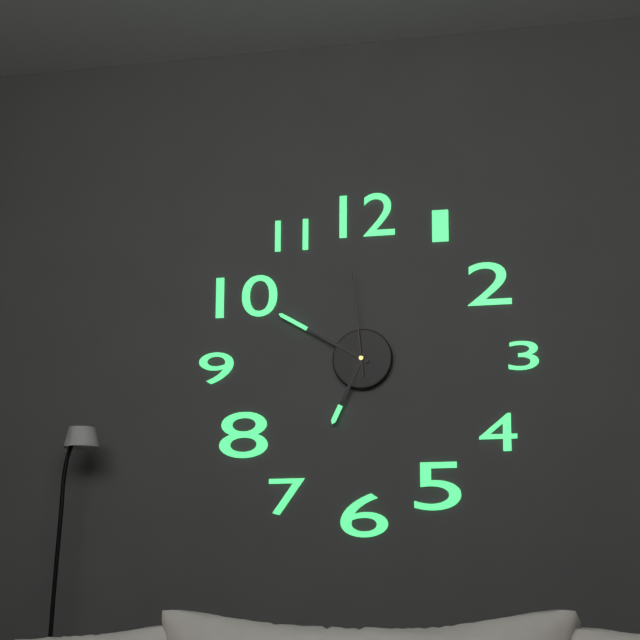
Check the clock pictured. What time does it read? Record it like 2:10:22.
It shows 6:50:59
